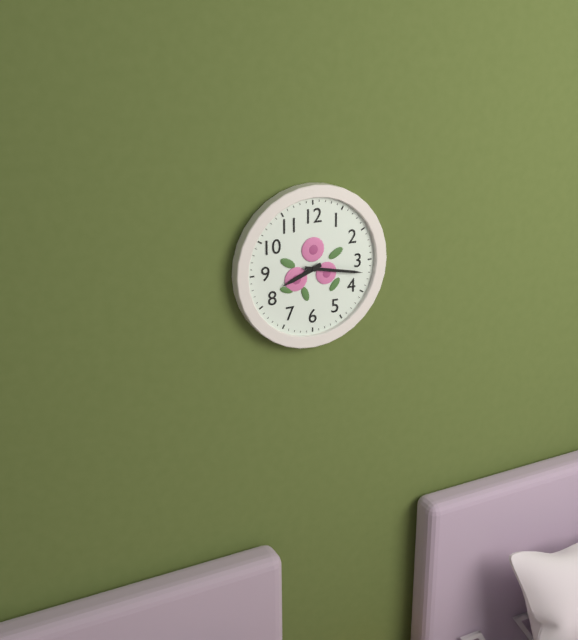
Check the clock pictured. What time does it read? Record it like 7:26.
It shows 8:17
